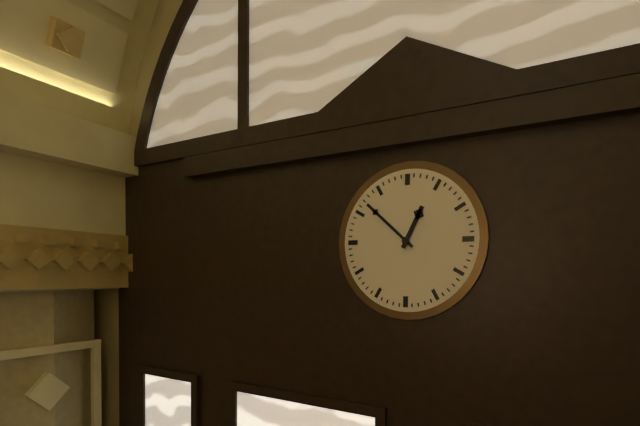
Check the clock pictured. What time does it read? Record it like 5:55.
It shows 12:52
